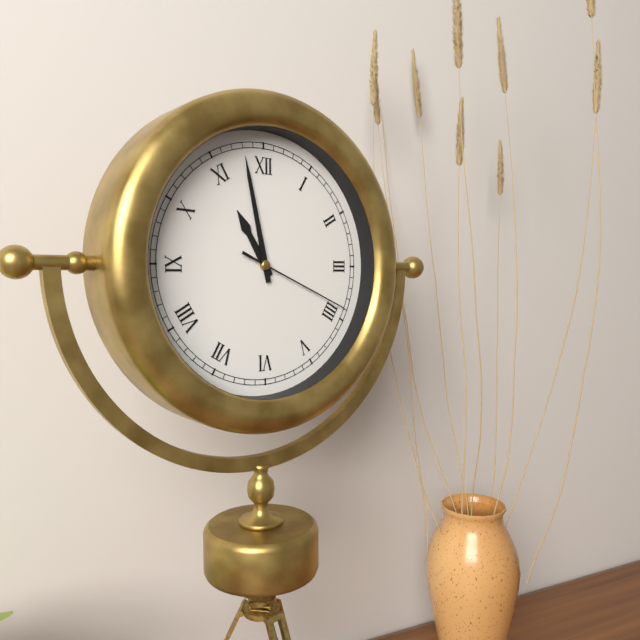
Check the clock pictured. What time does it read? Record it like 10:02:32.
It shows 10:58:19
